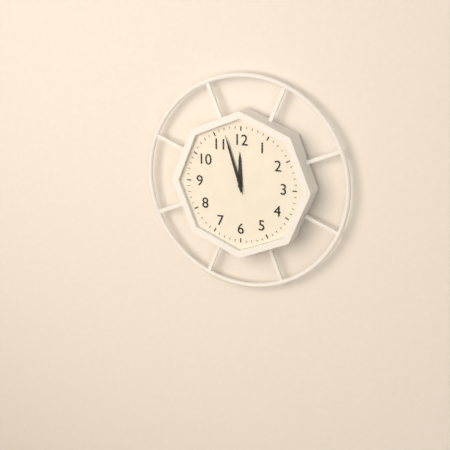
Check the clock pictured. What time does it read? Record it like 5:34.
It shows 11:57
